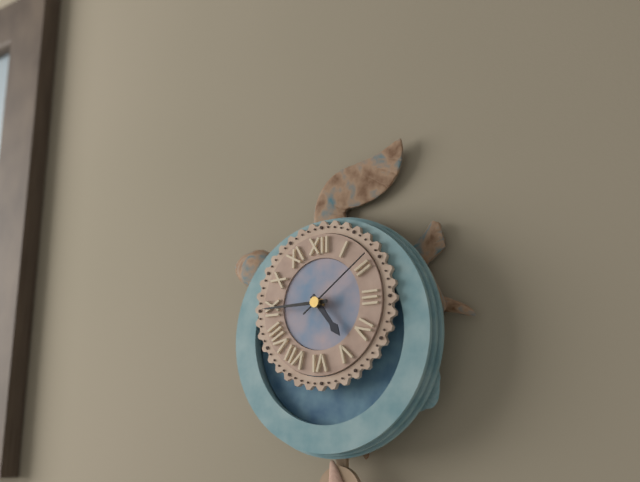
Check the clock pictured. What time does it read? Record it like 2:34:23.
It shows 4:45:09
